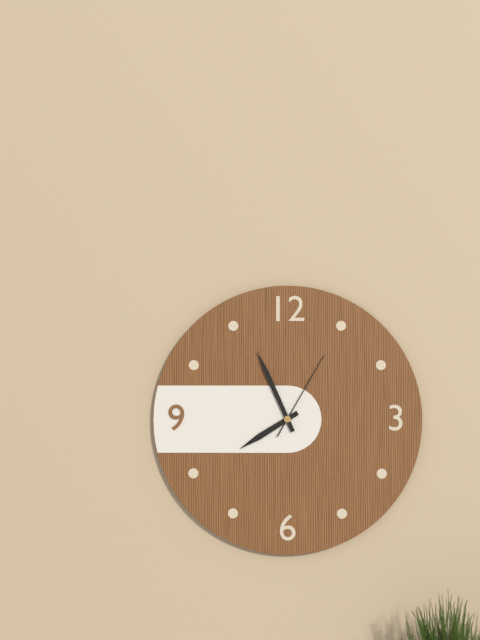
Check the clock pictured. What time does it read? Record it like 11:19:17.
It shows 7:56:05
